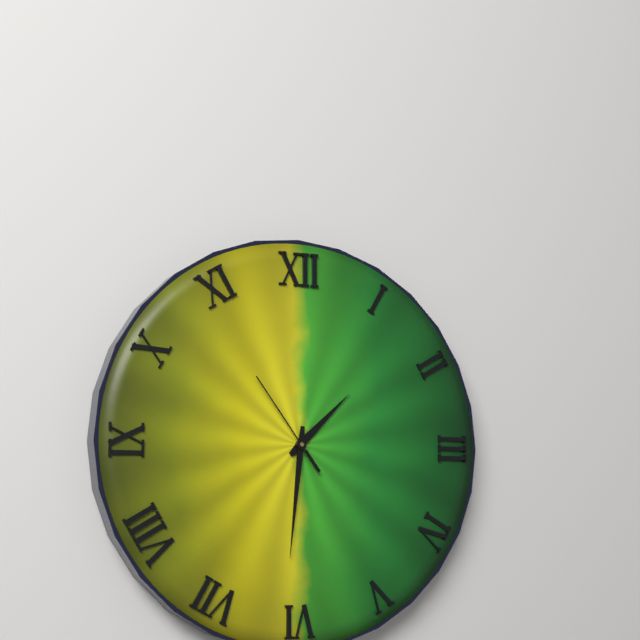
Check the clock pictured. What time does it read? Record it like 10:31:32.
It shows 1:31:54
